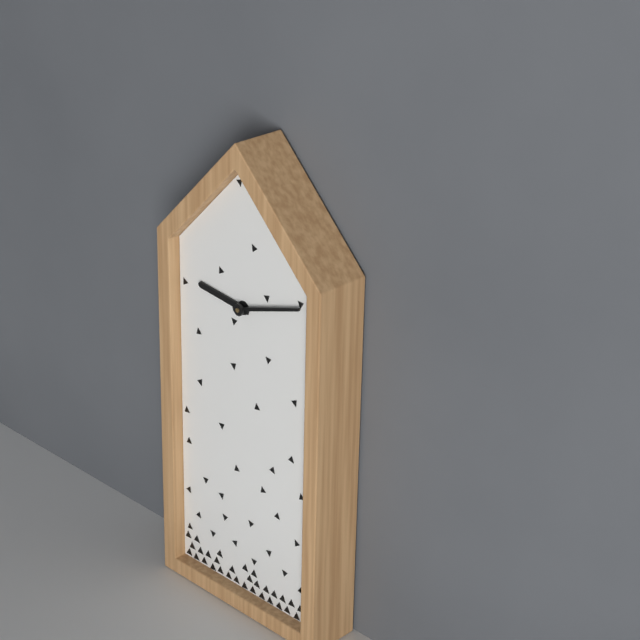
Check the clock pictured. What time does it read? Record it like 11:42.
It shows 9:12
